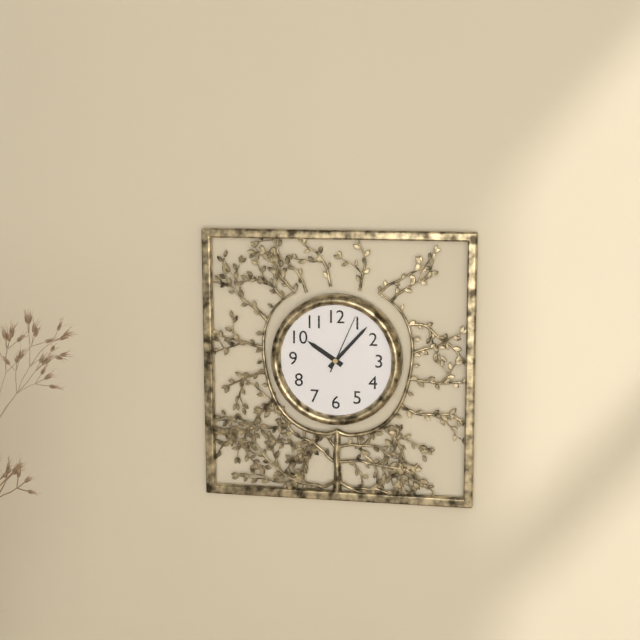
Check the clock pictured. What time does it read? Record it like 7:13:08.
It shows 10:07:04
